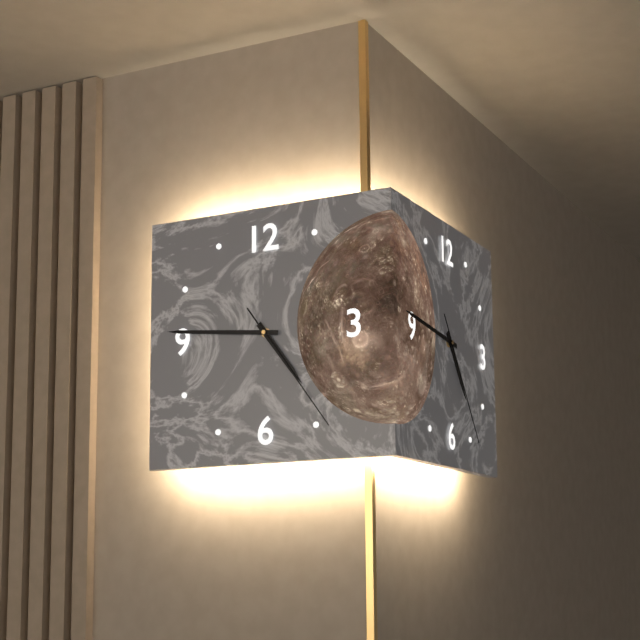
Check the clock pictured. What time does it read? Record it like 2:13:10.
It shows 4:46:24
